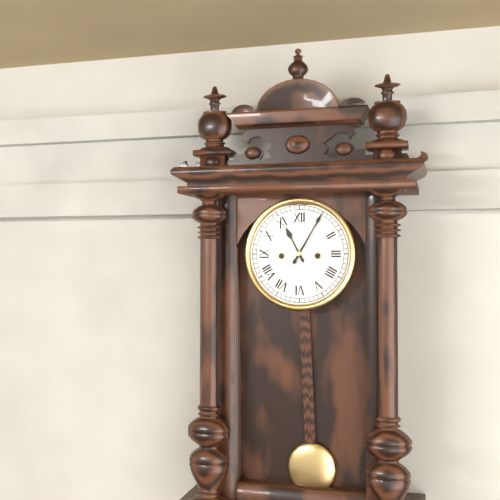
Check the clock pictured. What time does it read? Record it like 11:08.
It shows 11:05
